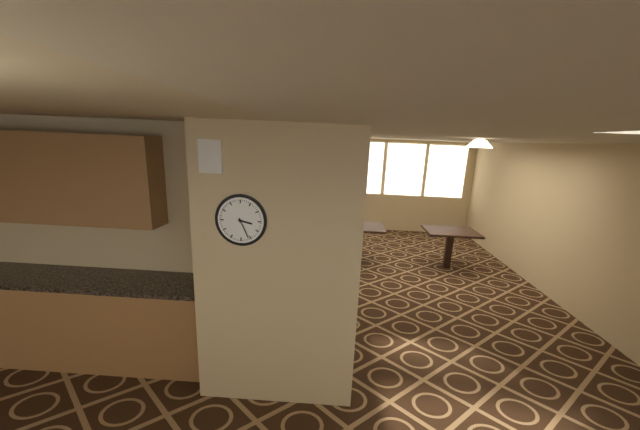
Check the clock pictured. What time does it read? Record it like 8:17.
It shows 3:26
